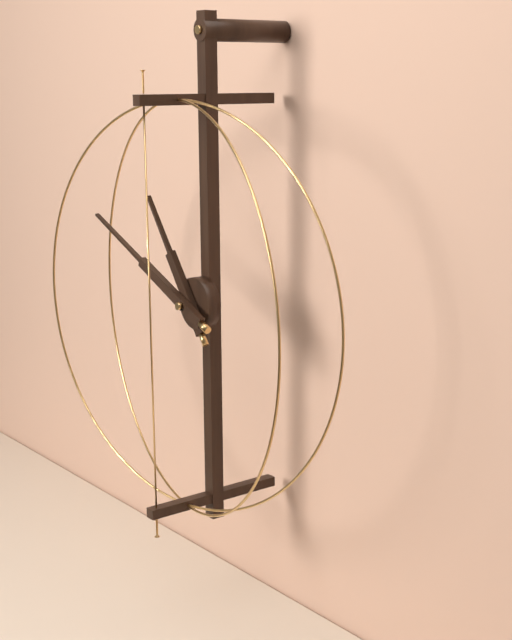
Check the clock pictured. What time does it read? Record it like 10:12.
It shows 10:49
